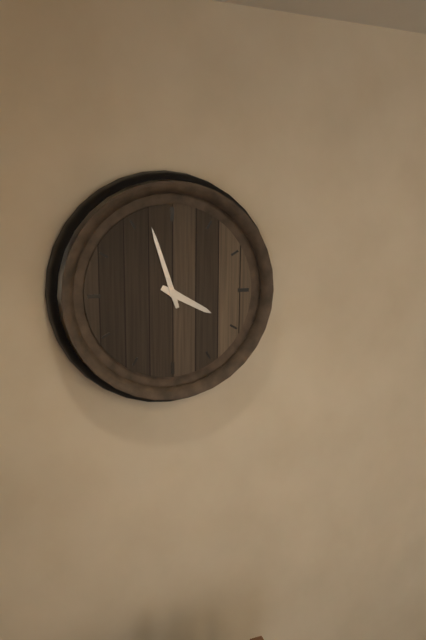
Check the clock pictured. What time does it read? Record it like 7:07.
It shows 3:57
